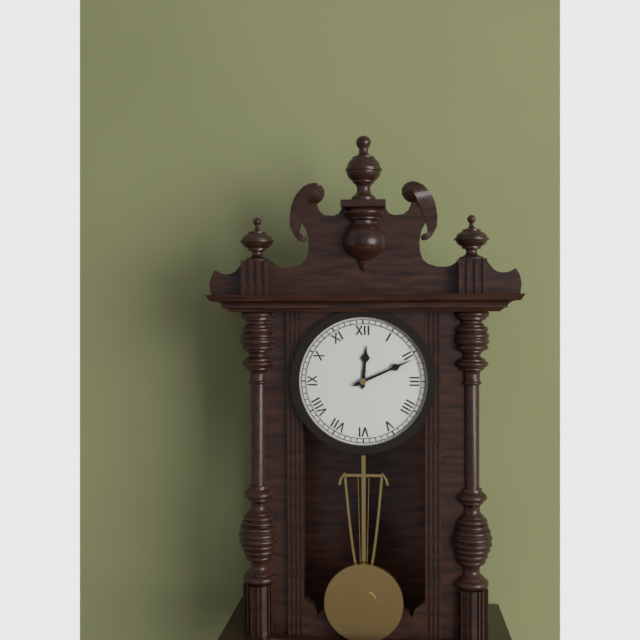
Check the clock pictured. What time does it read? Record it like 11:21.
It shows 12:11
